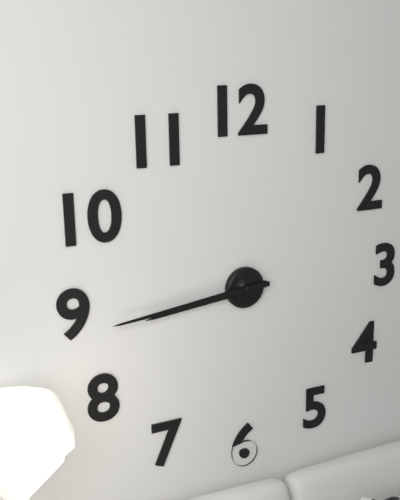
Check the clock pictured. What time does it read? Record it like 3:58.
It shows 8:44
